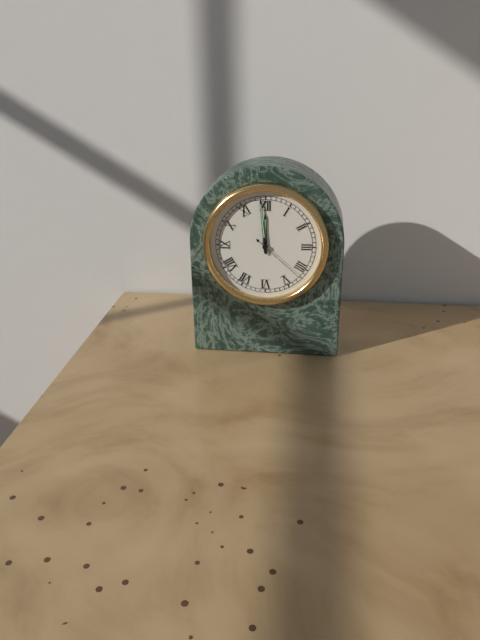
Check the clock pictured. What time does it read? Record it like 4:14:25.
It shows 11:59:22
